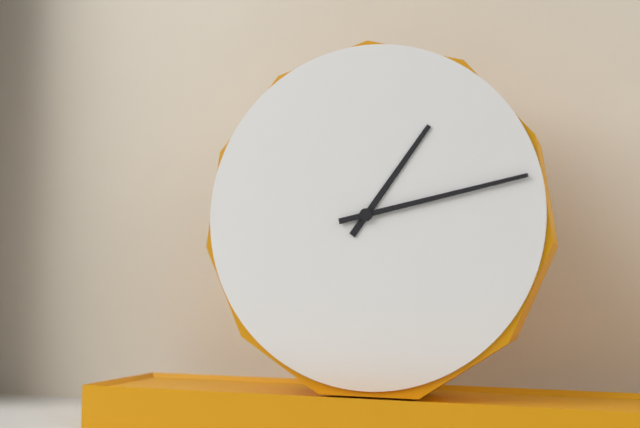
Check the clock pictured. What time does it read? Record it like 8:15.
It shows 1:13
